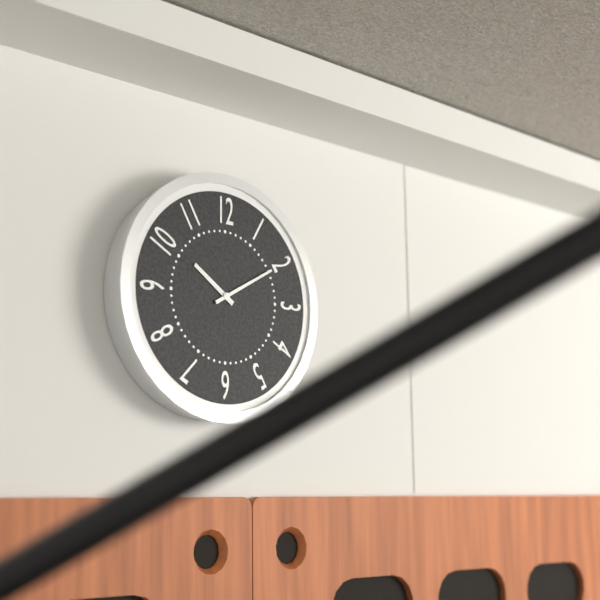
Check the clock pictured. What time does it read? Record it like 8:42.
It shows 10:10
